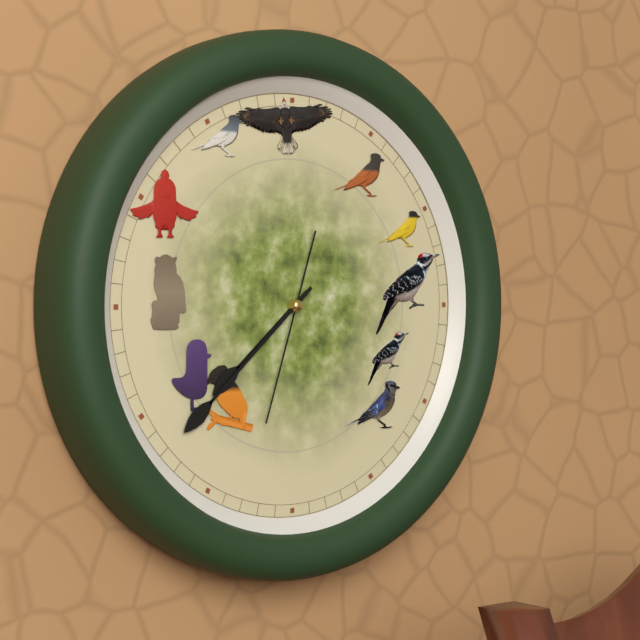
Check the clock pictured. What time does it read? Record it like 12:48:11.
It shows 7:38:33
